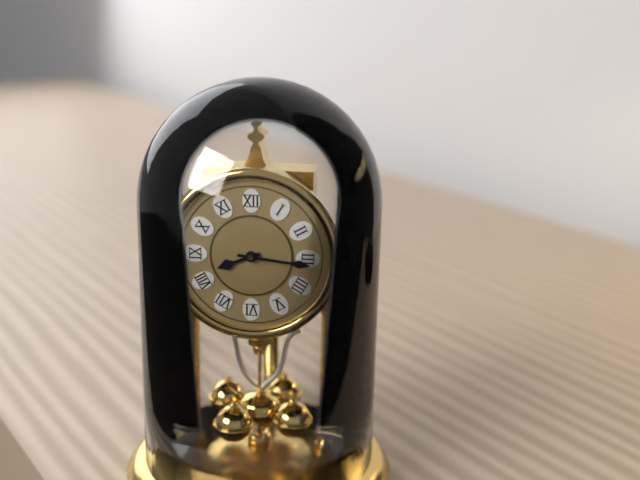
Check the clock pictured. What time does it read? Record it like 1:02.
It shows 8:16
